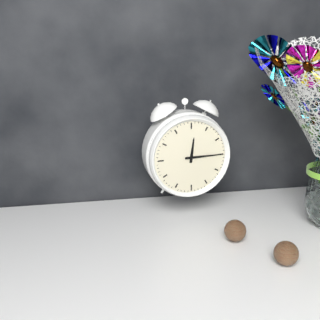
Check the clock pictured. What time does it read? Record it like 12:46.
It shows 12:15
